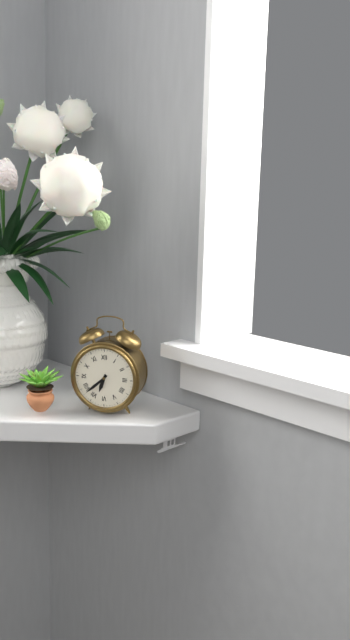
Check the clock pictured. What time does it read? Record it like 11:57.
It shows 6:38
